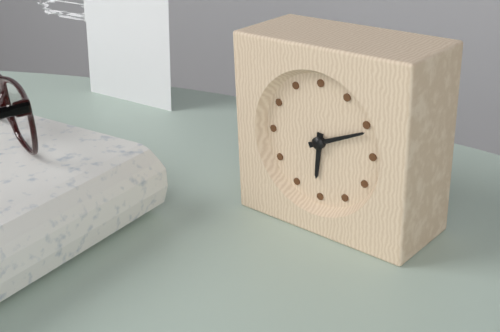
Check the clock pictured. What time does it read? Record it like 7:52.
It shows 6:11
